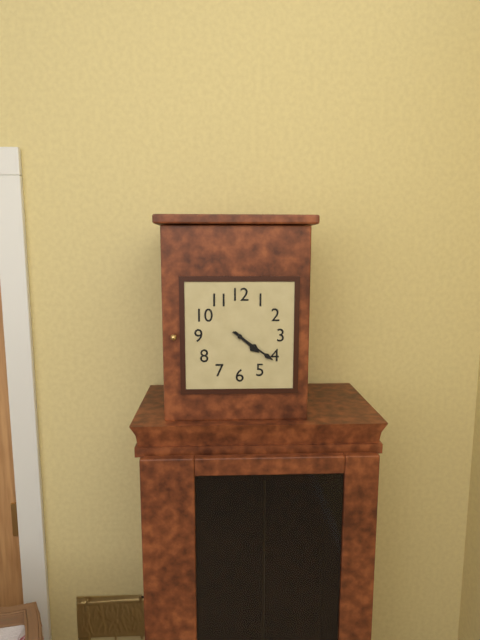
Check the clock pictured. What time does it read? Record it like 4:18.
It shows 4:21
